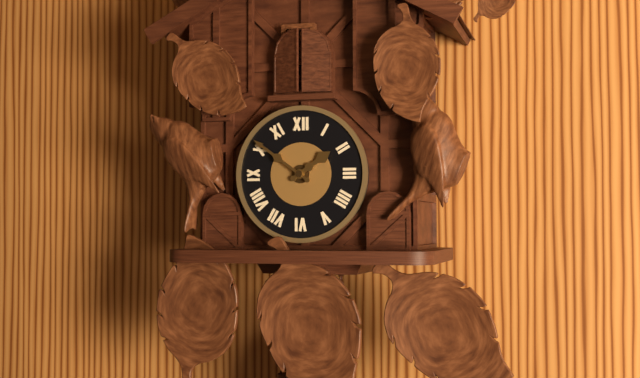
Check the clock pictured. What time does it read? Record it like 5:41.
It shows 1:51
